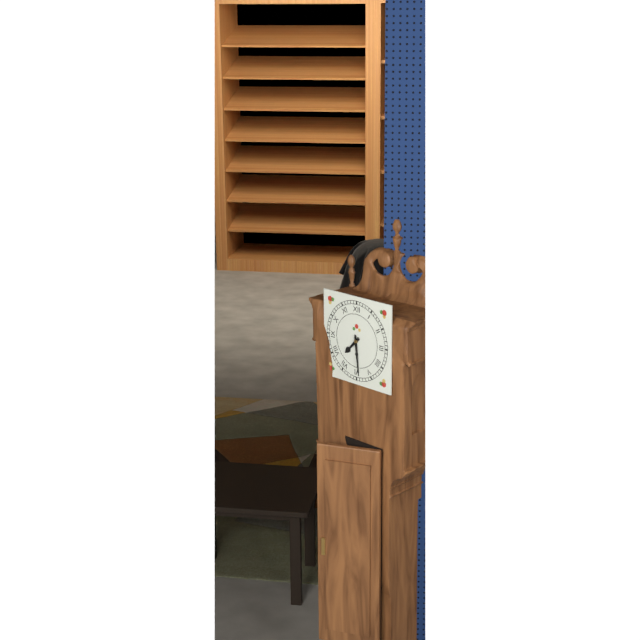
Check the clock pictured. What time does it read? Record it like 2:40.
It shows 7:29
